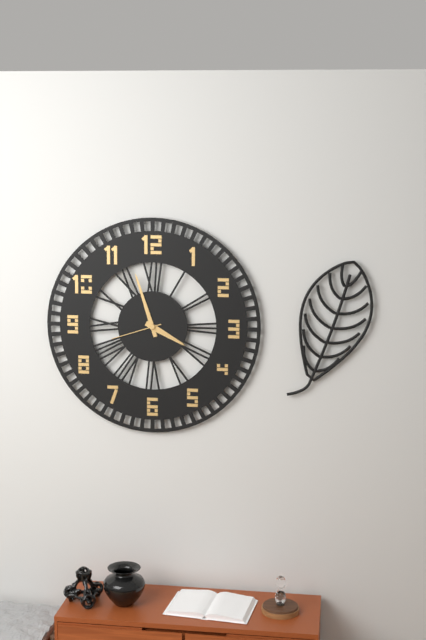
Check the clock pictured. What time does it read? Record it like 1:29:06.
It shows 3:57:42
